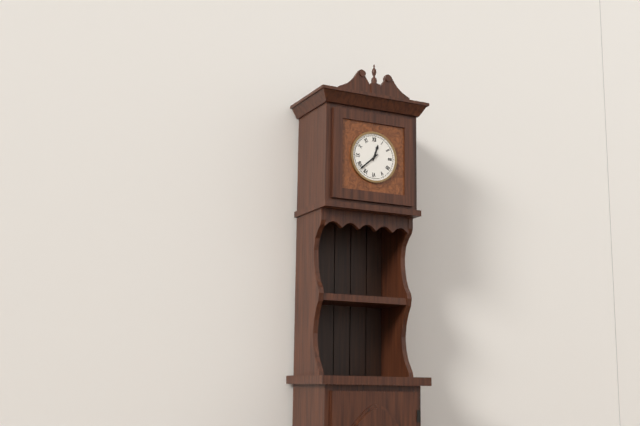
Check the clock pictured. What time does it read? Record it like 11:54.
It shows 12:38
